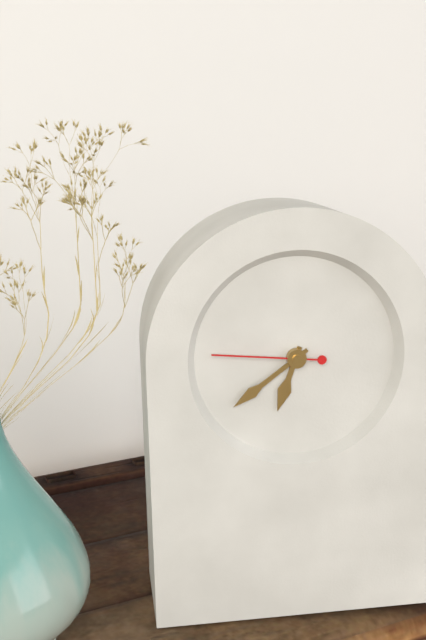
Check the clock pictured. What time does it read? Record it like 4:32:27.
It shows 6:39:46
